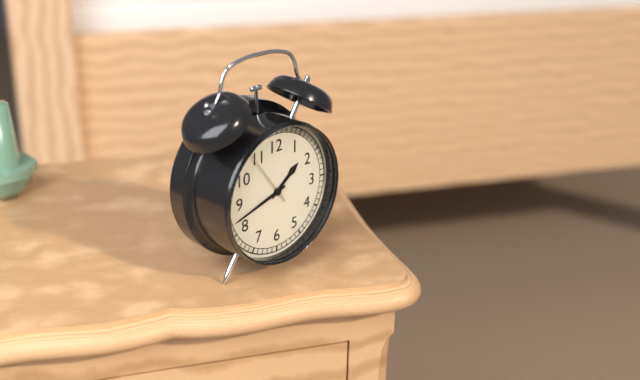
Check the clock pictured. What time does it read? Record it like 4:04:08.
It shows 1:42:54
